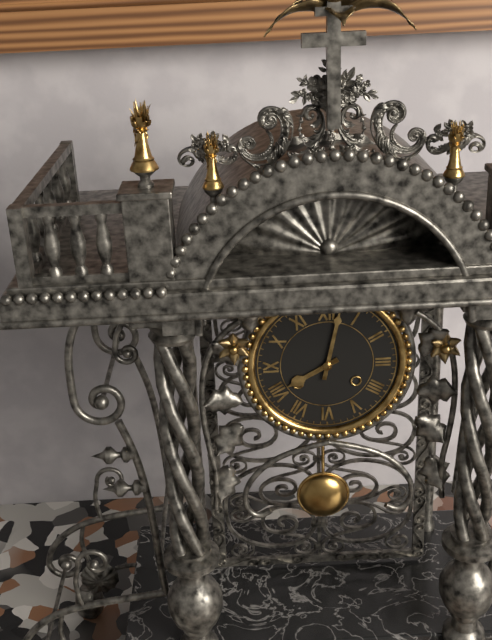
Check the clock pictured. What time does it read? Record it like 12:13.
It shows 8:02
